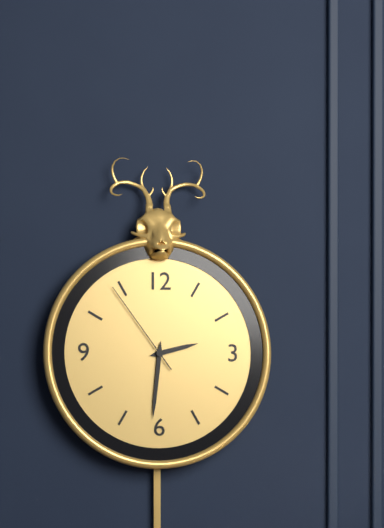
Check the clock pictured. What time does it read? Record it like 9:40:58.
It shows 2:31:54
